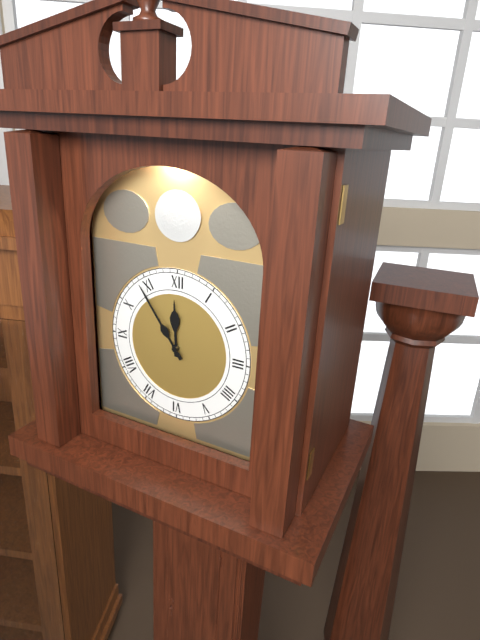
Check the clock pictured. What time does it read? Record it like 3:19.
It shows 11:54
